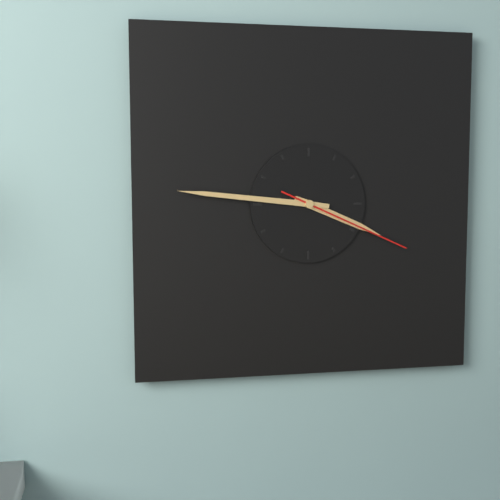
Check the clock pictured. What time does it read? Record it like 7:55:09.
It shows 3:46:19
